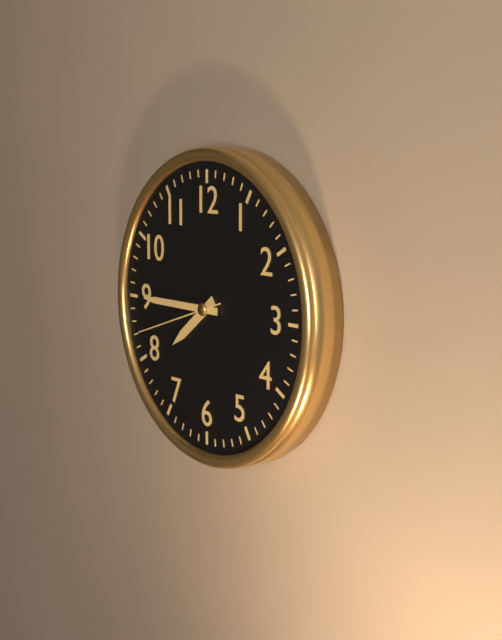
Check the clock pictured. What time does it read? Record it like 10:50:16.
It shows 7:45:42
